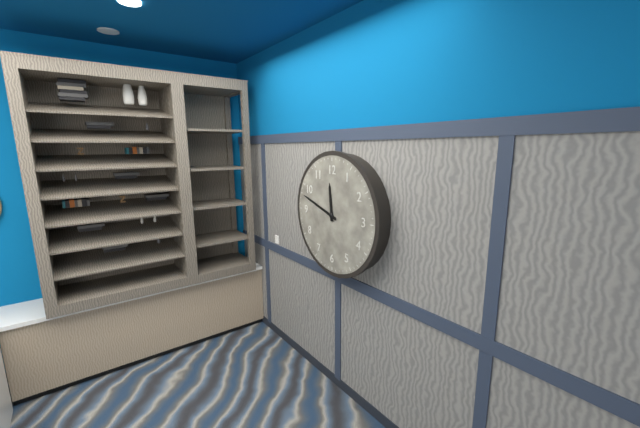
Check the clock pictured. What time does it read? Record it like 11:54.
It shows 11:48
